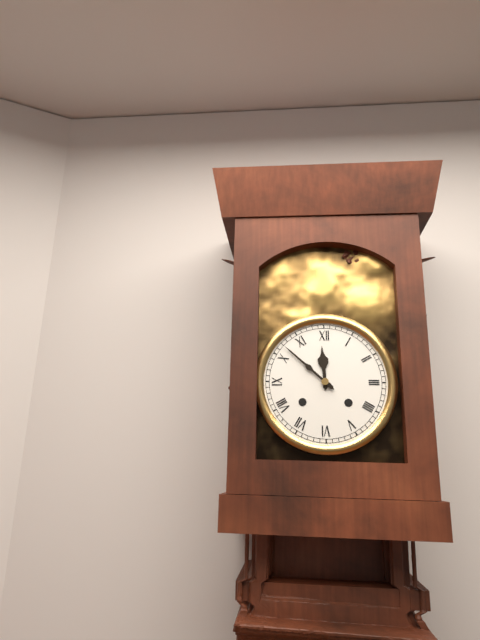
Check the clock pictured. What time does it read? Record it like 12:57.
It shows 11:52
